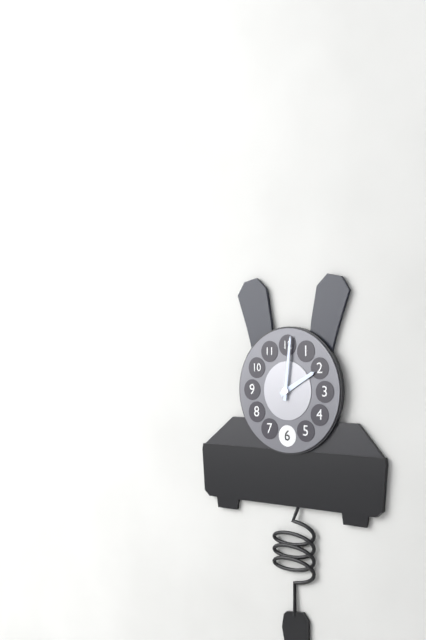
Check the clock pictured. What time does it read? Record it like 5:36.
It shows 2:01
